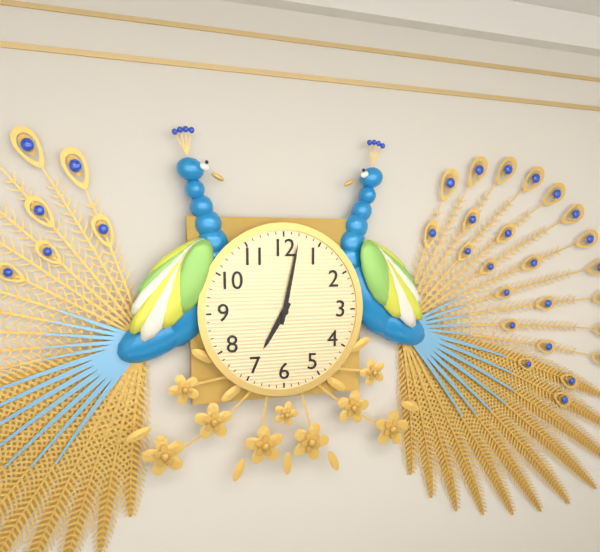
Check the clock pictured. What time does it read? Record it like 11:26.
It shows 7:02
